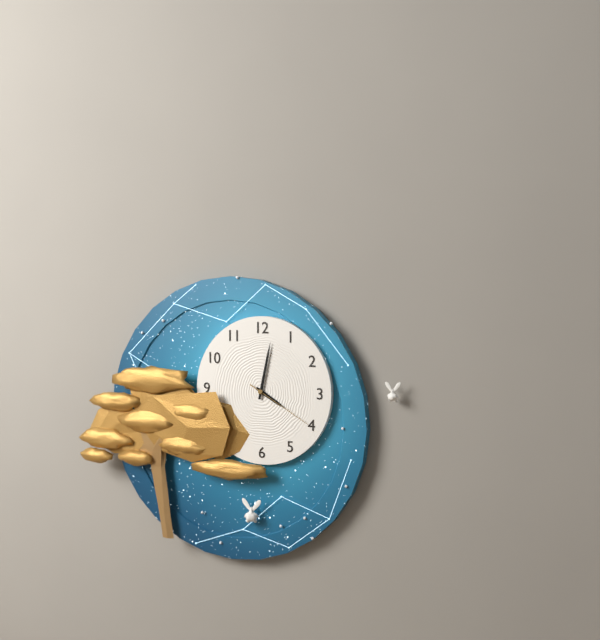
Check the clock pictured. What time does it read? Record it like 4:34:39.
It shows 4:02:20
